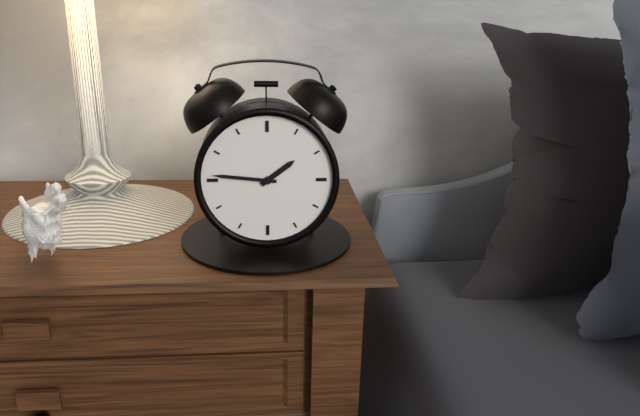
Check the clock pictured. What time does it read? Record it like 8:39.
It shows 1:46
